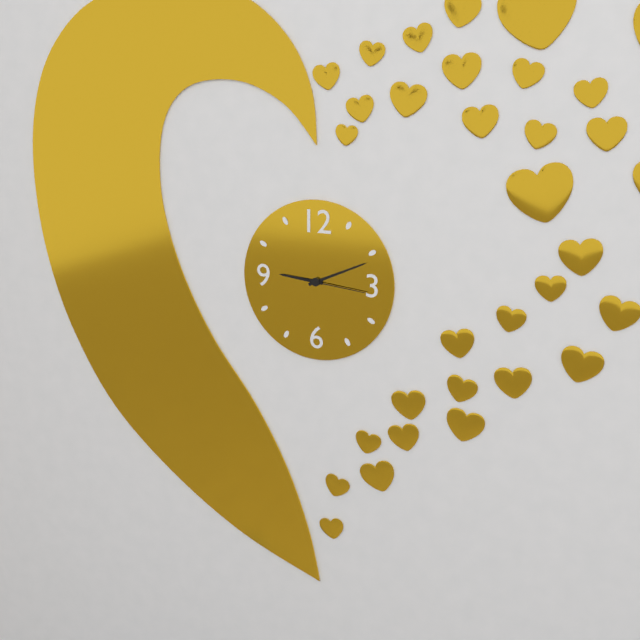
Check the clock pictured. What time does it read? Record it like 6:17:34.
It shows 9:11:16
